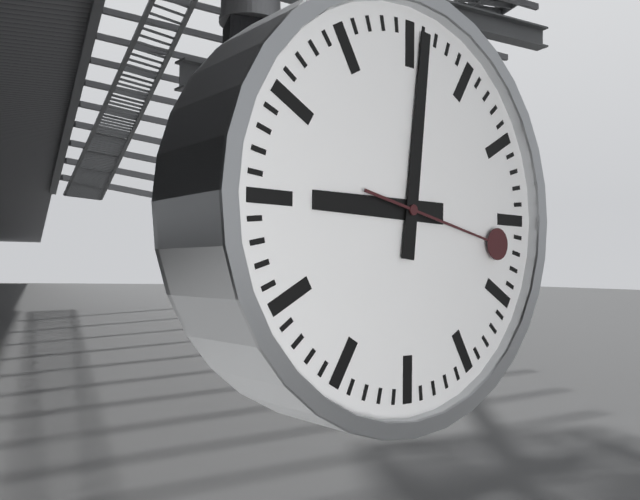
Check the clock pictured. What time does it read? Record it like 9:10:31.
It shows 9:01:17
